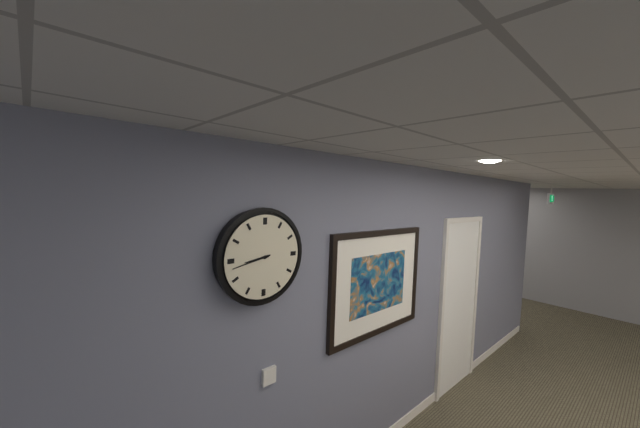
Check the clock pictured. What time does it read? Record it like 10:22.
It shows 8:43
